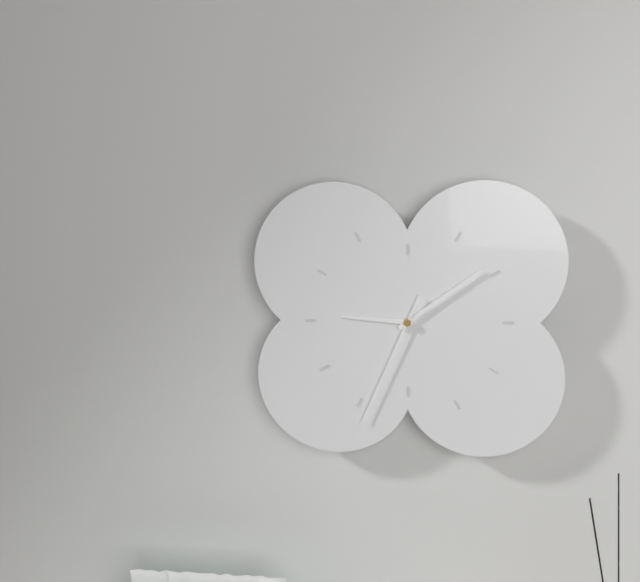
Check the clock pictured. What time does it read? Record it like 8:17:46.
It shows 9:09:34
